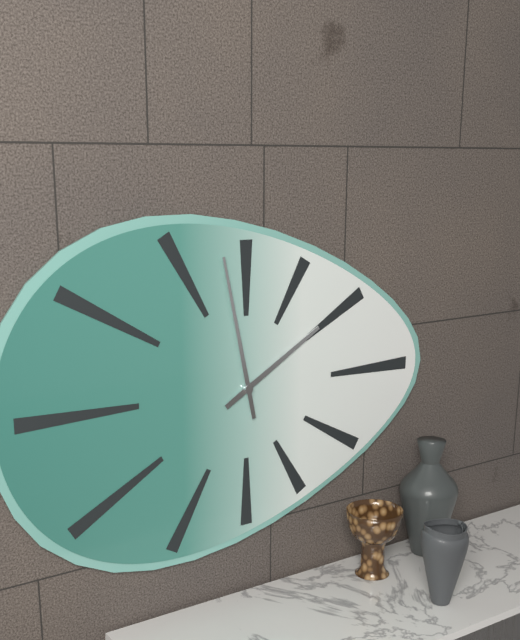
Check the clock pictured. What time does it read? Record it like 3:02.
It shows 1:58
